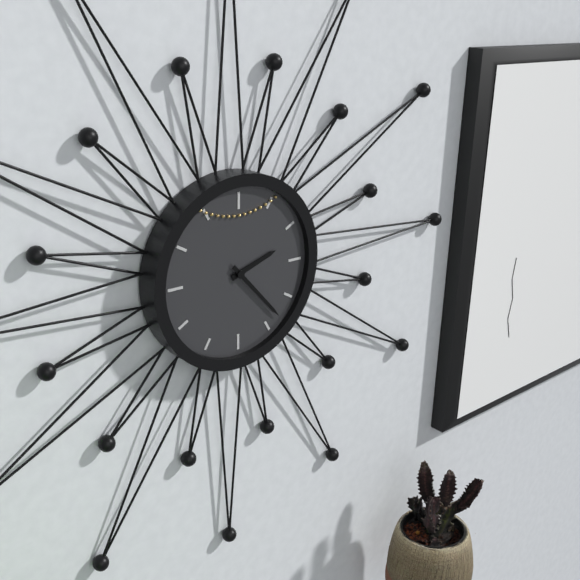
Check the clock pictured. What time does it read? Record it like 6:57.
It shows 2:23
